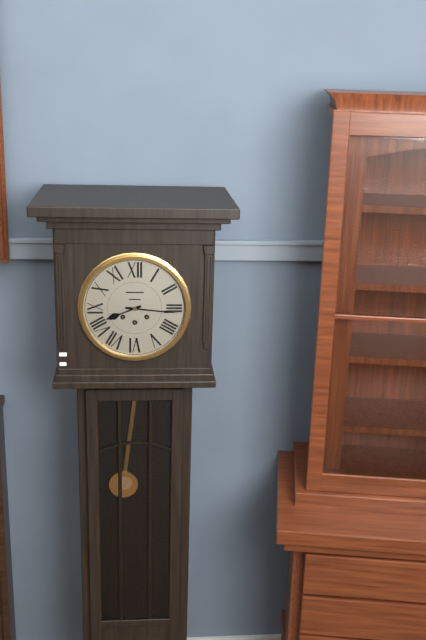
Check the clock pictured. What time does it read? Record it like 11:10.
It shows 8:16
